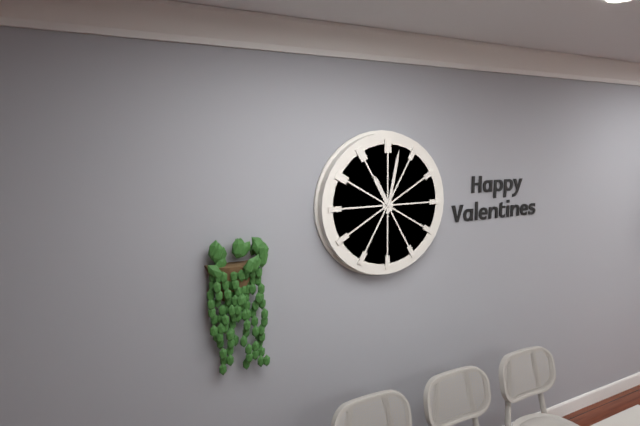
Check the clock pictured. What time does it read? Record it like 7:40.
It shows 11:02
